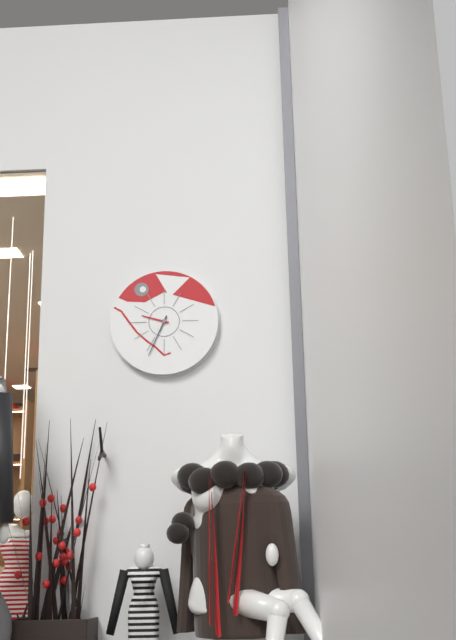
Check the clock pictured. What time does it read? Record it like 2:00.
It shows 9:34
